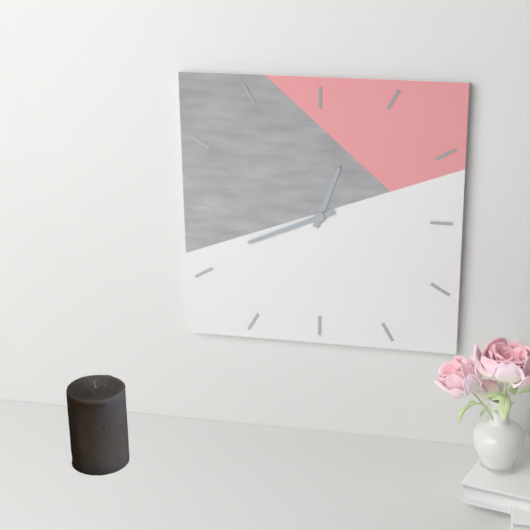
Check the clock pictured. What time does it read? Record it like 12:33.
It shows 12:41
